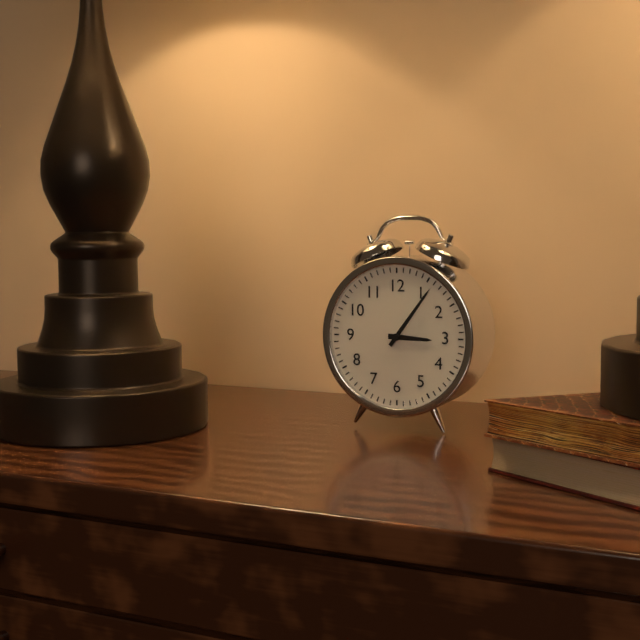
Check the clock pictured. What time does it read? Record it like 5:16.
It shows 3:06
